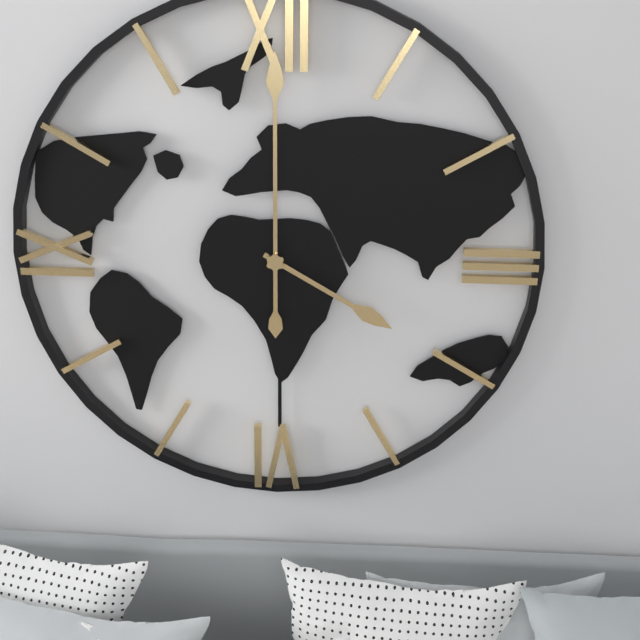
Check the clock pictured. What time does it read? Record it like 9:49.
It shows 4:00
